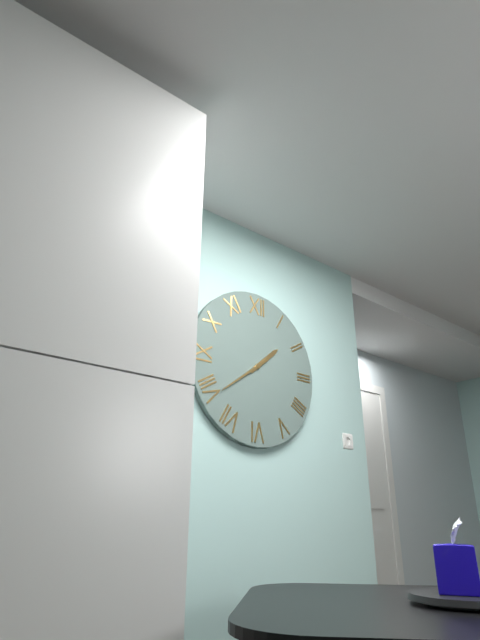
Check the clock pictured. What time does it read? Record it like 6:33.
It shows 1:39
